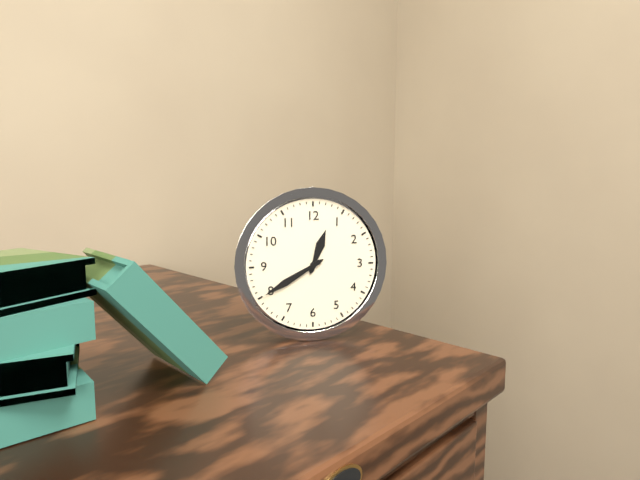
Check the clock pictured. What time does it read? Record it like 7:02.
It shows 12:40
